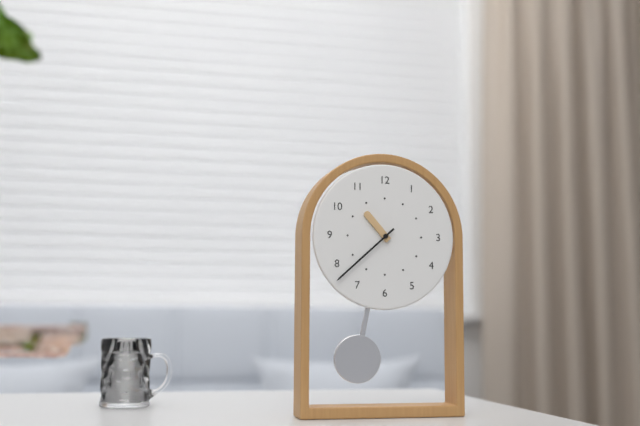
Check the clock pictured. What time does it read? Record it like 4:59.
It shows 10:38
